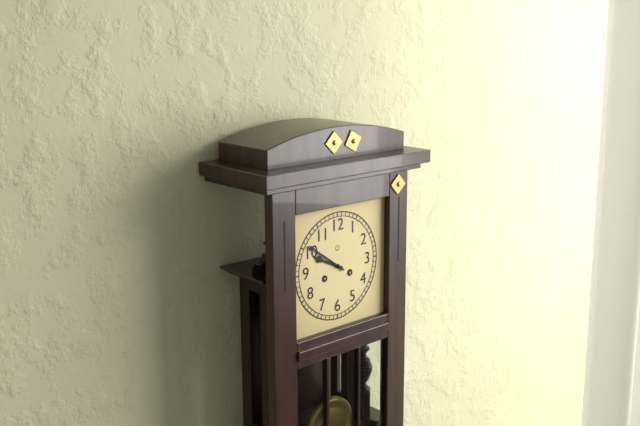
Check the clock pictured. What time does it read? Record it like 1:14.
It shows 9:51
